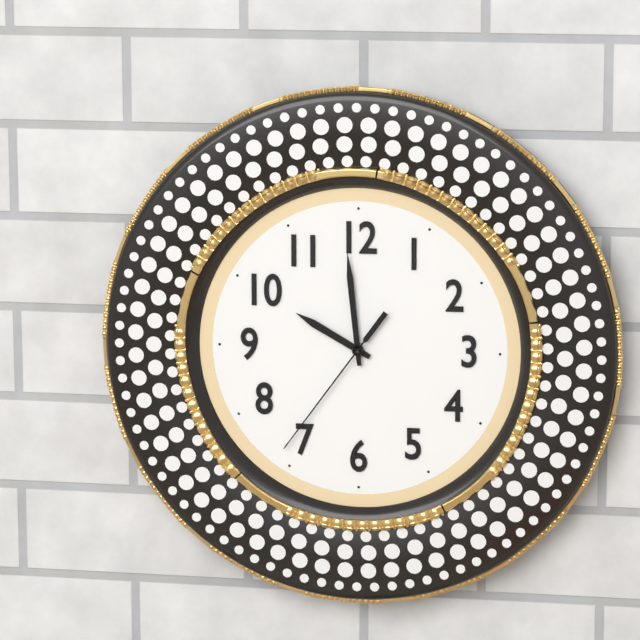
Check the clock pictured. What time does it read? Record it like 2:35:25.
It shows 9:59:36
